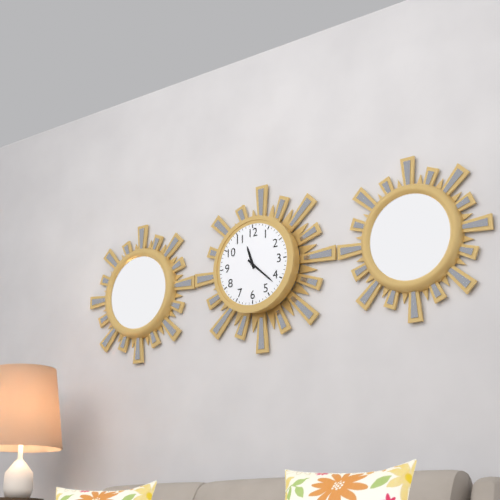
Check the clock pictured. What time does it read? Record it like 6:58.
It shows 11:22
